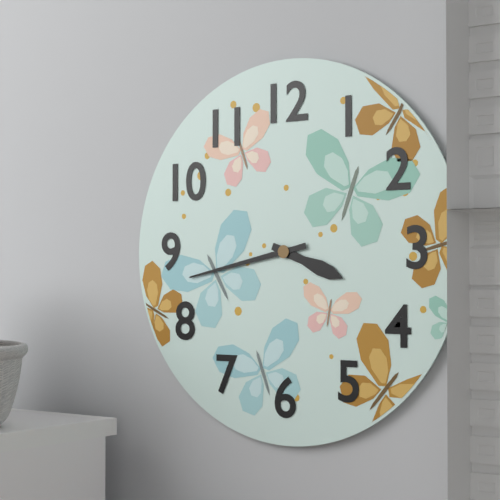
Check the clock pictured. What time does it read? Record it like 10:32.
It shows 3:43
